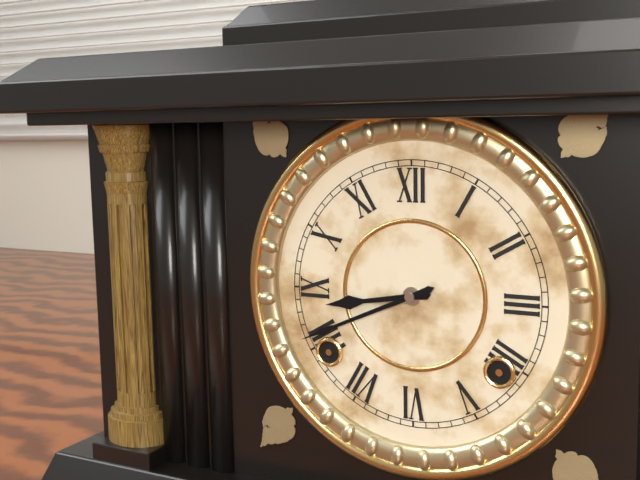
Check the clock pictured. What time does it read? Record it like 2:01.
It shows 8:41
